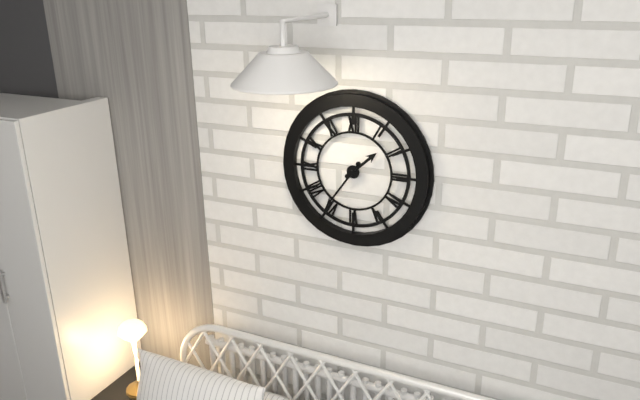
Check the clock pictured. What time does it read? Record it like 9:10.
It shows 1:36
